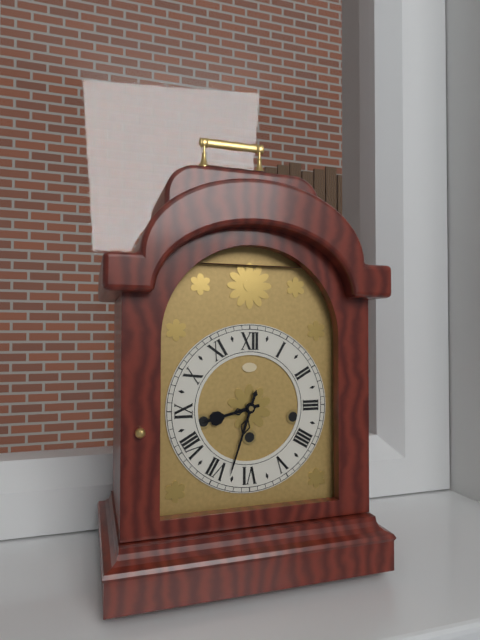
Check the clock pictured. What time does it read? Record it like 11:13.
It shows 8:33
